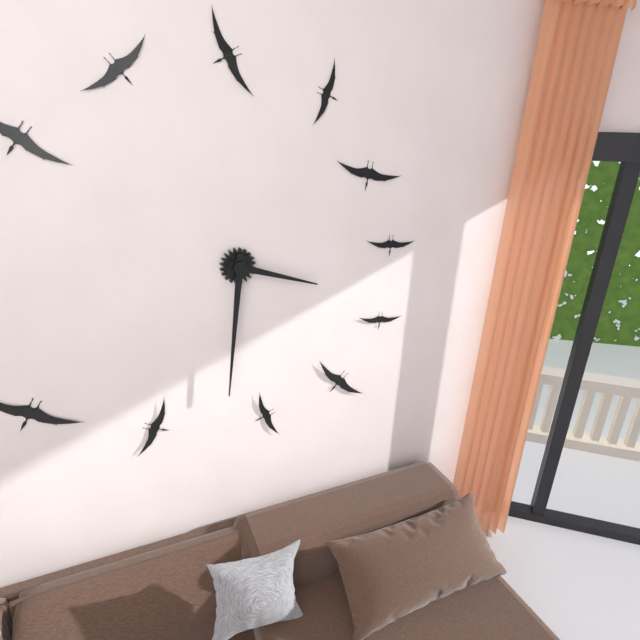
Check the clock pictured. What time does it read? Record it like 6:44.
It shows 3:31
